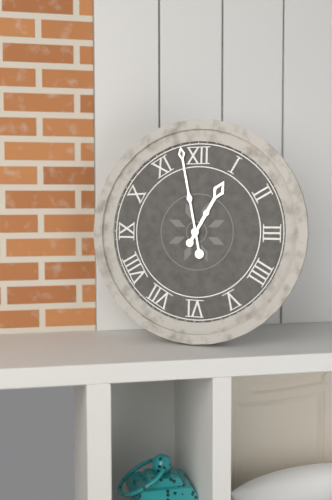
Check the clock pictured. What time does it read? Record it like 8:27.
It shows 12:58
